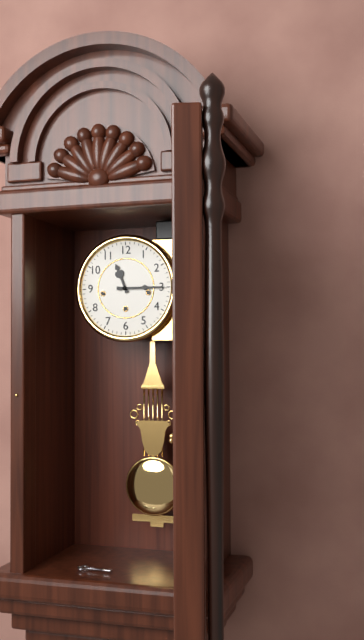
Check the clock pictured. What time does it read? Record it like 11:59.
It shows 11:15
